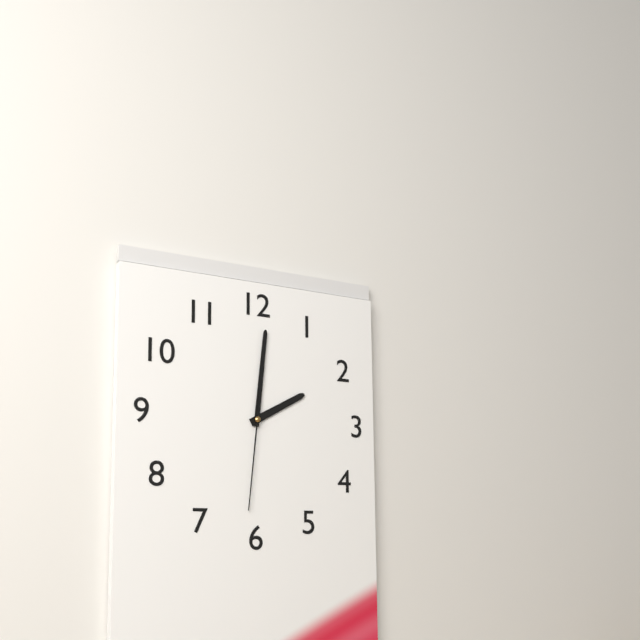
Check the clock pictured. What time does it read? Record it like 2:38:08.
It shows 2:01:31
